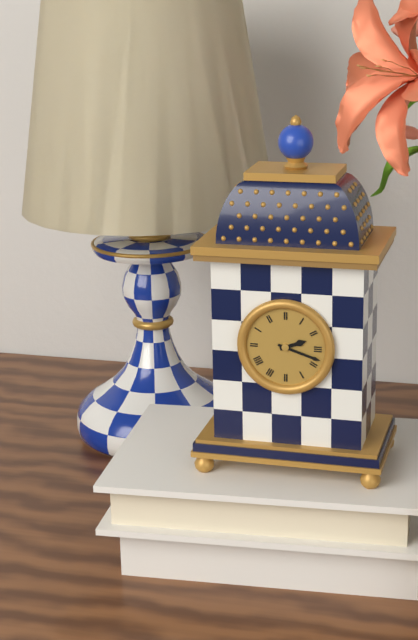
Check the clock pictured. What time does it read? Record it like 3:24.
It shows 2:18
